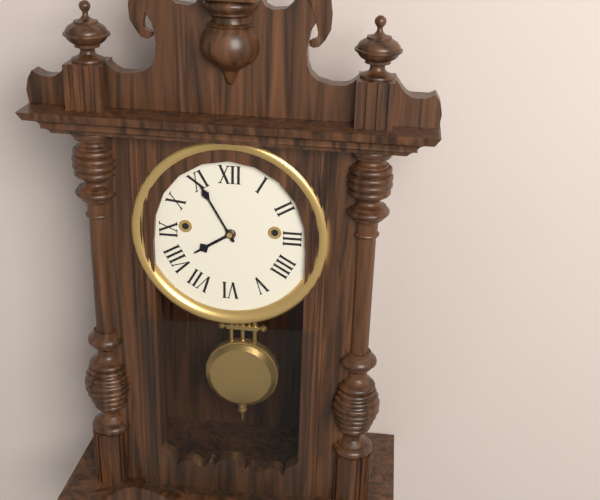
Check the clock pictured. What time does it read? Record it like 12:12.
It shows 7:55
